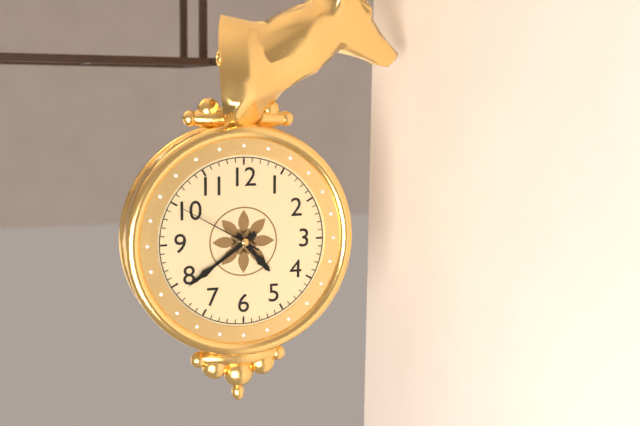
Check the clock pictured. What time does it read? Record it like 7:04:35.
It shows 4:39:50
